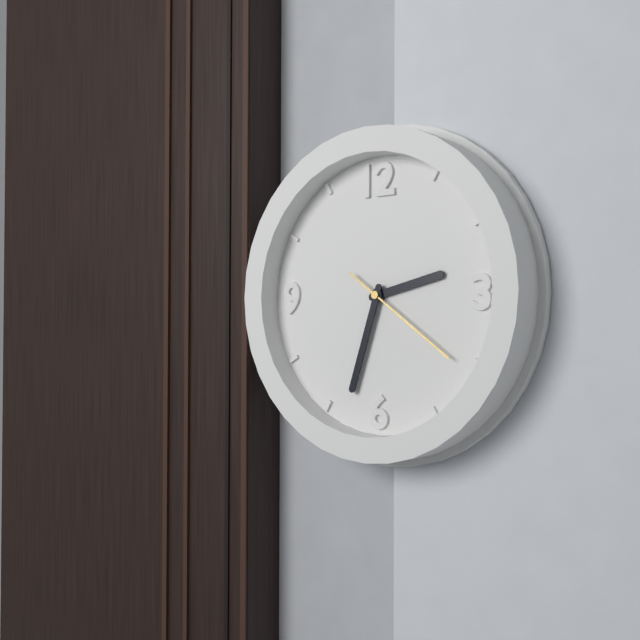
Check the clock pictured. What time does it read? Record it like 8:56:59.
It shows 2:33:21
